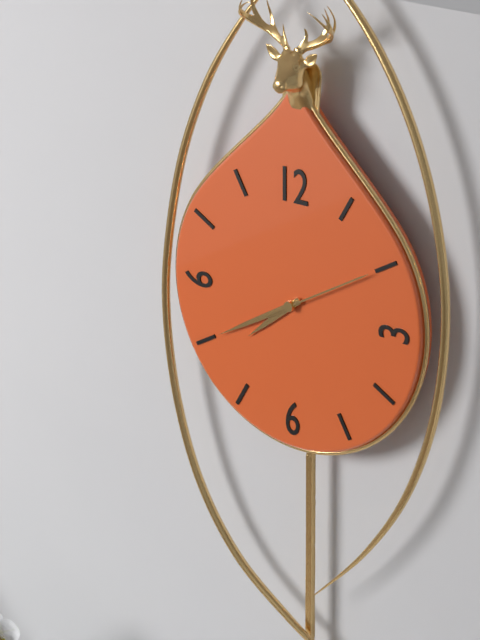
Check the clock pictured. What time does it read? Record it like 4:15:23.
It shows 7:40:10
